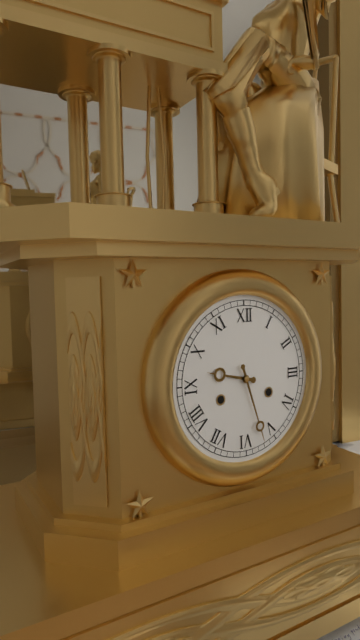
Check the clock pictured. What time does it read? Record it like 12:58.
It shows 9:27
